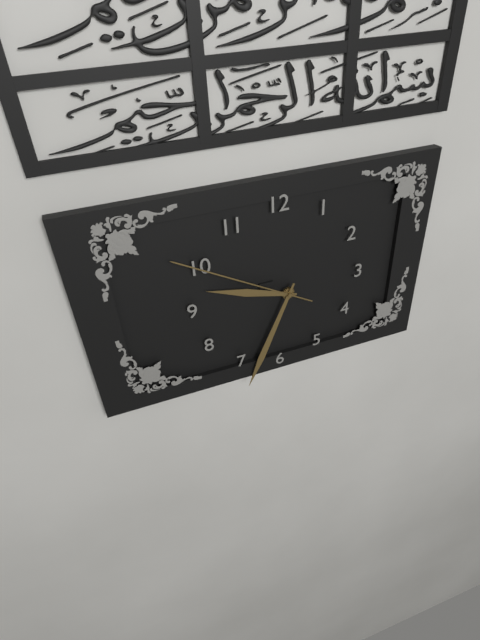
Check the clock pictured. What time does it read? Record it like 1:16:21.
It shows 9:34:50
